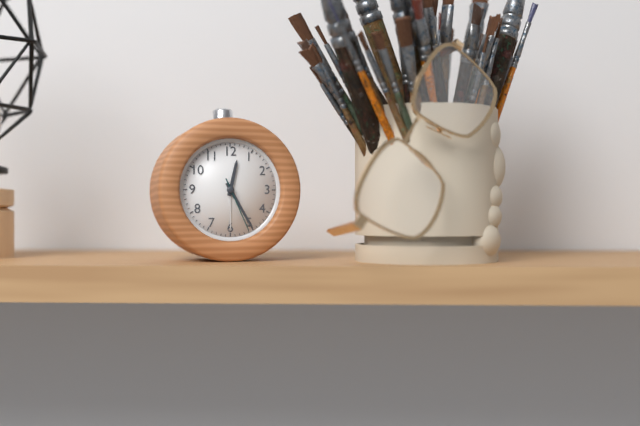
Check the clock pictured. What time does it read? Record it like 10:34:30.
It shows 12:25:26
